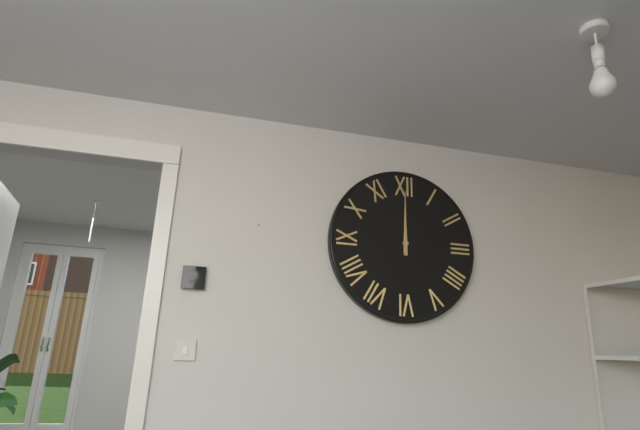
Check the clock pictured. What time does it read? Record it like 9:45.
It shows 12:00
